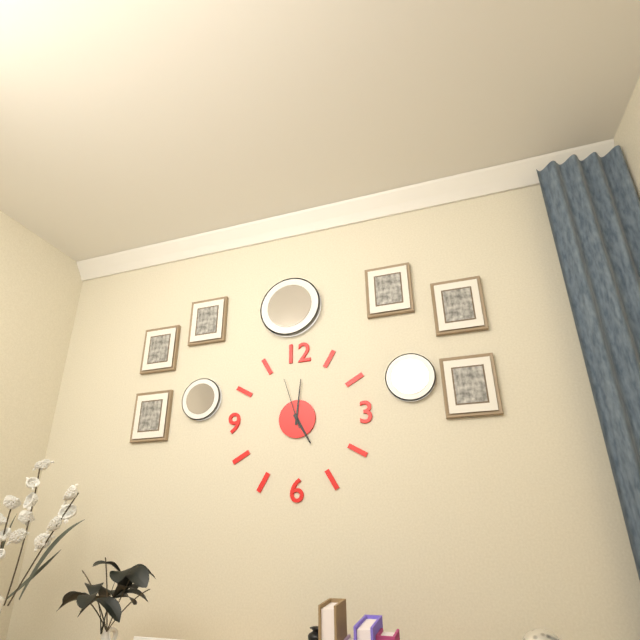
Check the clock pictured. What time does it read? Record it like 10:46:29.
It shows 5:01:57
